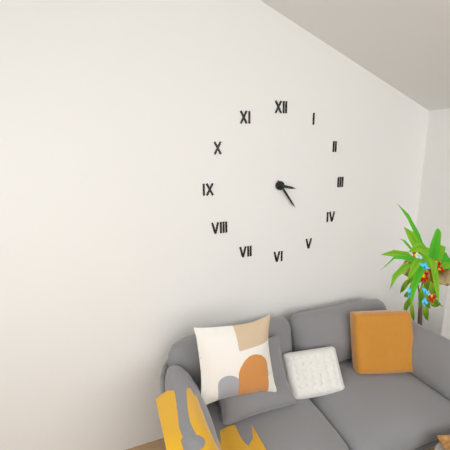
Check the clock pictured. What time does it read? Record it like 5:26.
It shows 3:24
